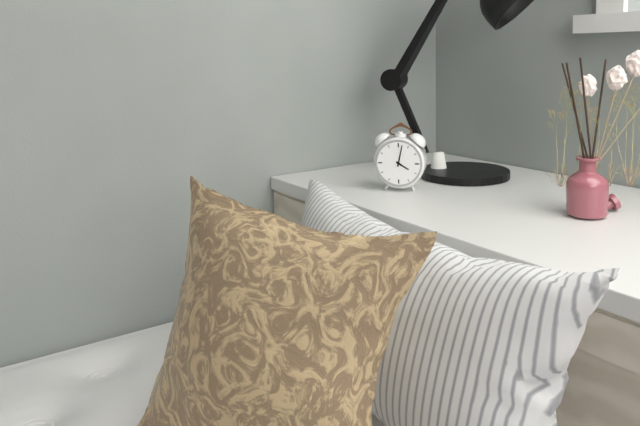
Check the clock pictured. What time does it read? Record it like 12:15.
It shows 4:02
